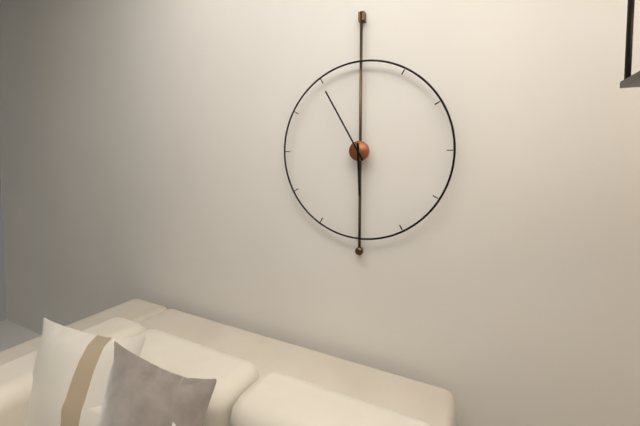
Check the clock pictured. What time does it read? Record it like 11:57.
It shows 5:55
